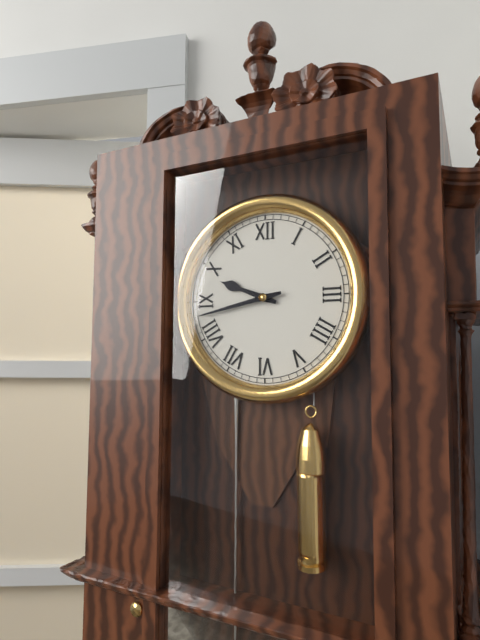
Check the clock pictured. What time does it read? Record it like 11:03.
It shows 9:43
